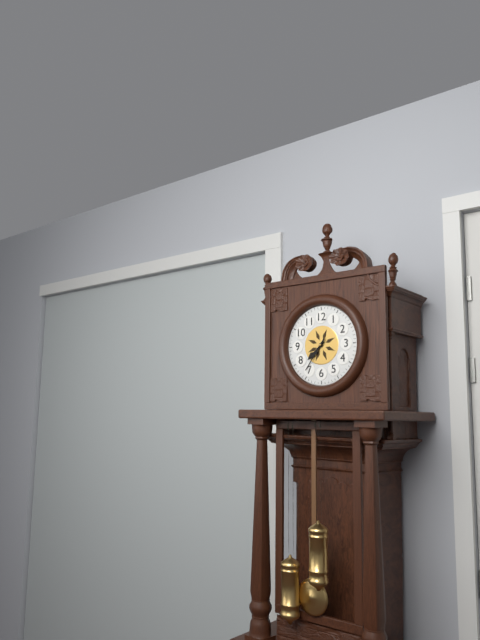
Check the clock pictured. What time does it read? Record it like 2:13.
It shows 7:36
